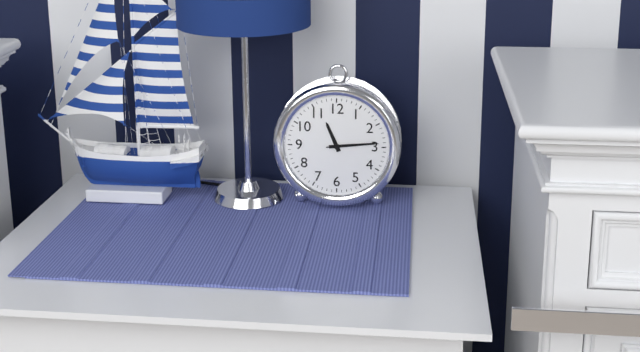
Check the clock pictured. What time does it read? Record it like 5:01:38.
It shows 11:14:14
